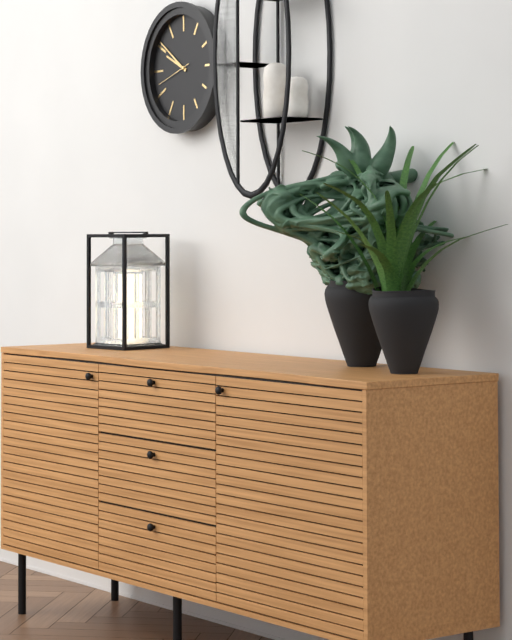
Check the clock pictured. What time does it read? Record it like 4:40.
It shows 9:51
